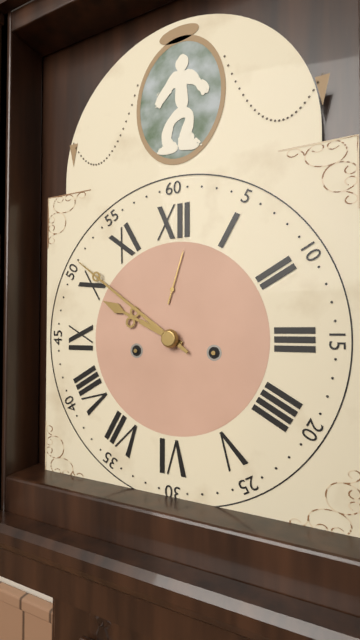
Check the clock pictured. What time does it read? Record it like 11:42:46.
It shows 9:51:03
